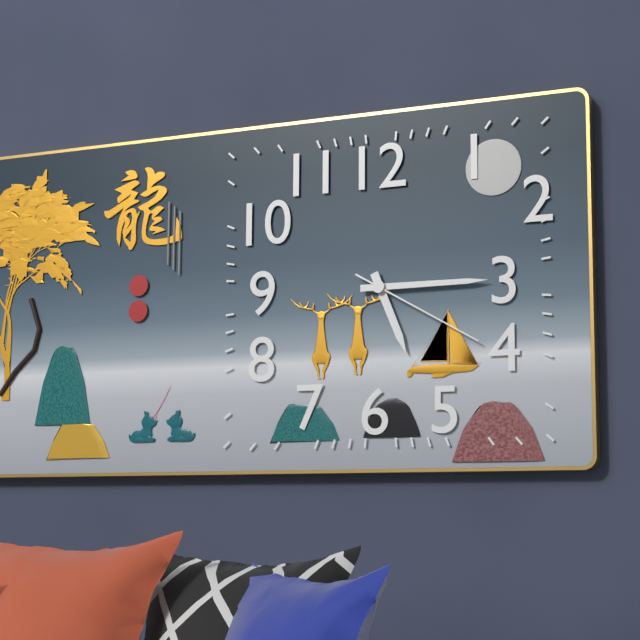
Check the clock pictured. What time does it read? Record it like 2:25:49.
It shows 5:15:20
